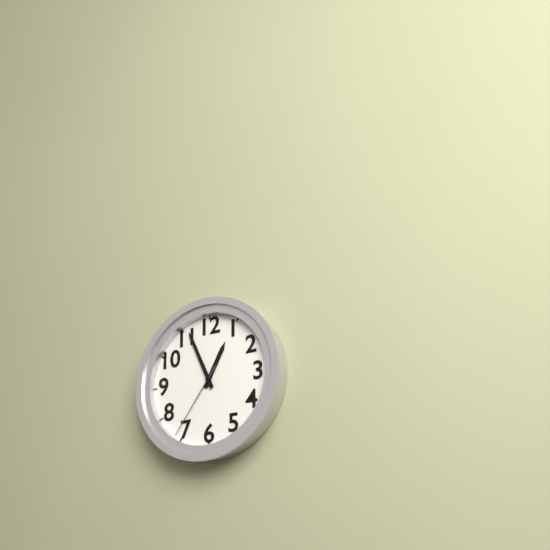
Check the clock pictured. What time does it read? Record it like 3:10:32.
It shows 12:56:36
